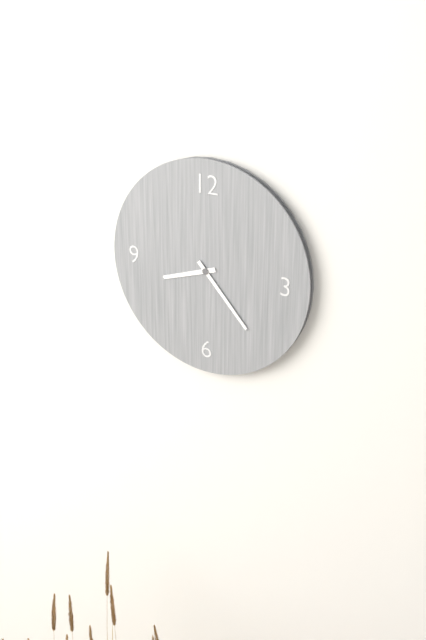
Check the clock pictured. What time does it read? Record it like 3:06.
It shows 8:23
